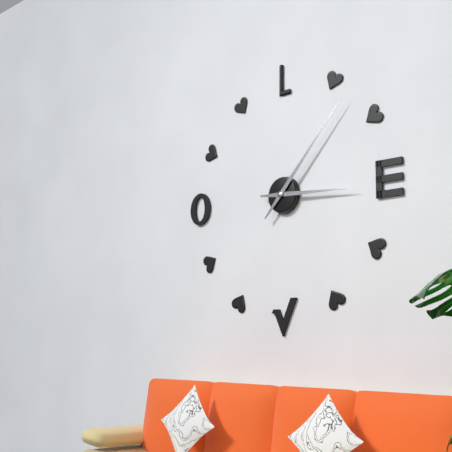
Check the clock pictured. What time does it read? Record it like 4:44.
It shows 3:07
